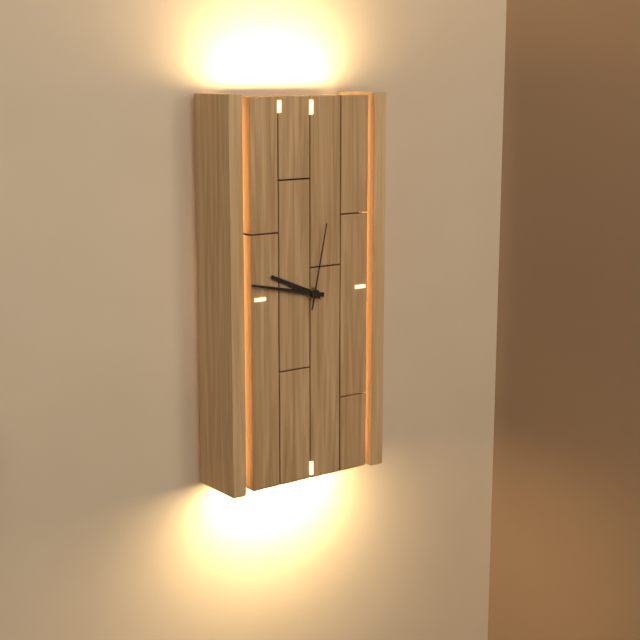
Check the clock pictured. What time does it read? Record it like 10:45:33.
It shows 9:47:02
